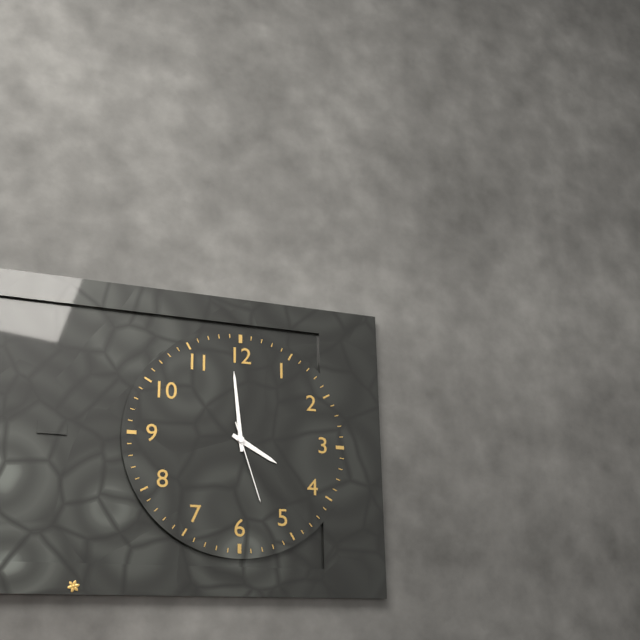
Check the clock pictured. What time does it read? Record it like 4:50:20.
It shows 3:59:27
